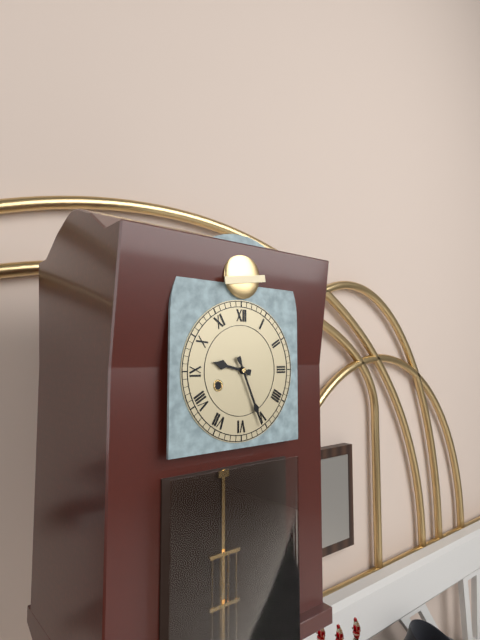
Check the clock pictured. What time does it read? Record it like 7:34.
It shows 9:26
